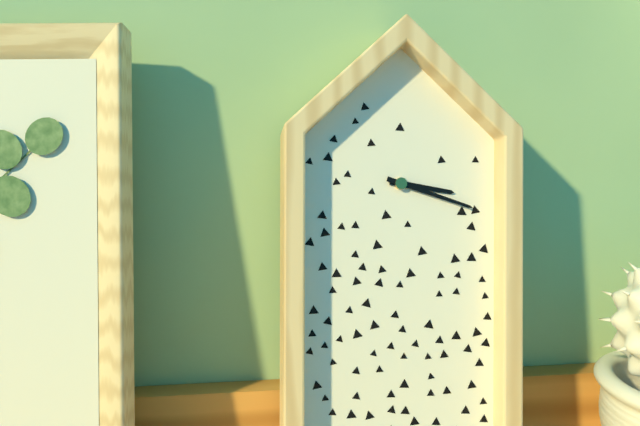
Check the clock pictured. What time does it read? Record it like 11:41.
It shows 3:18
